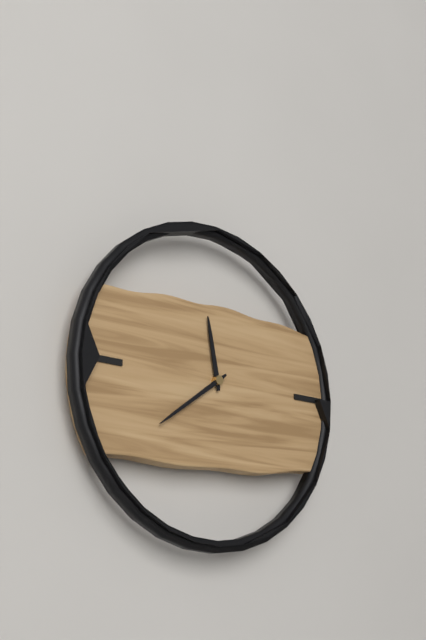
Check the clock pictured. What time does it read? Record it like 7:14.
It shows 11:39
